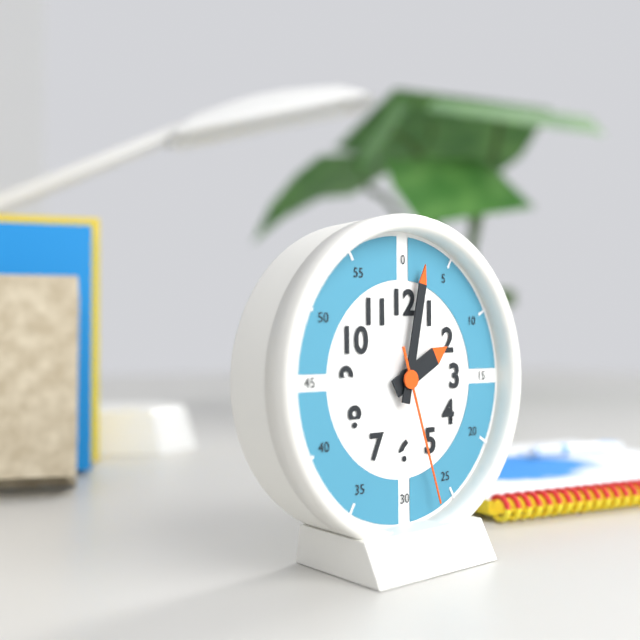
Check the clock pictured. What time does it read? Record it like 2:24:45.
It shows 2:02:27
